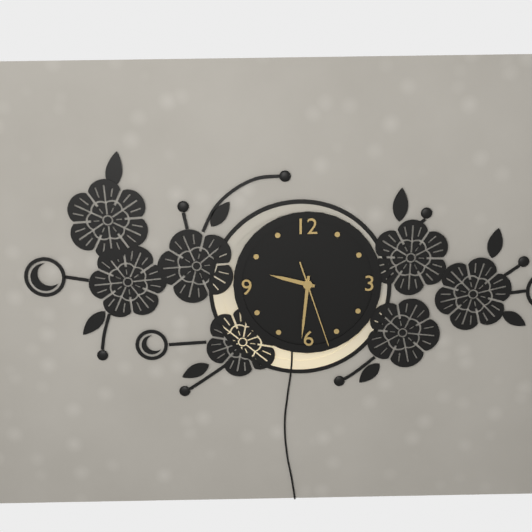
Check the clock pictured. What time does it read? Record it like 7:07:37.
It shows 9:31:27
